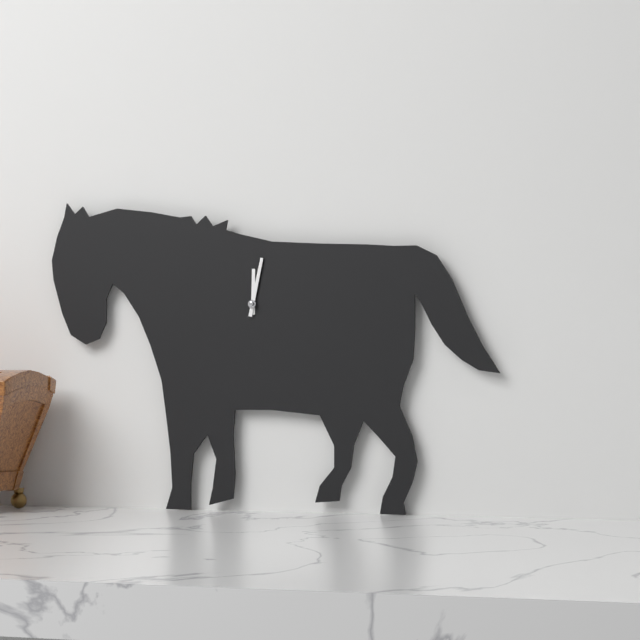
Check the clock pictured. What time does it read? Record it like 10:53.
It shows 12:02
